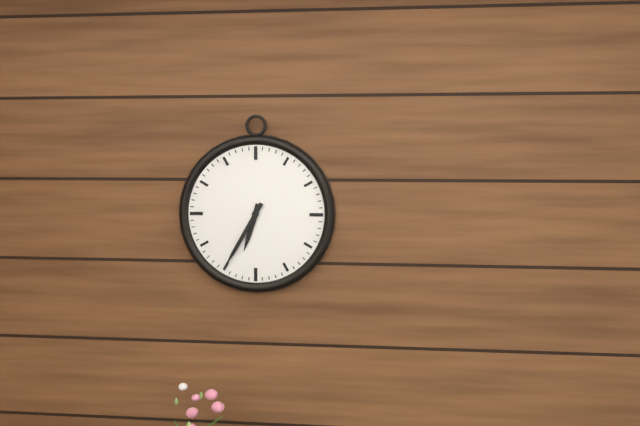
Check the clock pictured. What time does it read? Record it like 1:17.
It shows 6:35
